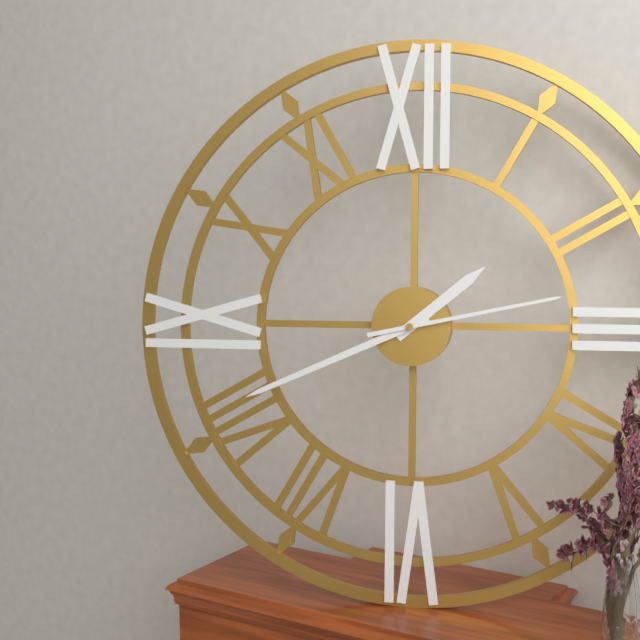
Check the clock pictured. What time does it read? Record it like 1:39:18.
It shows 1:41:13
